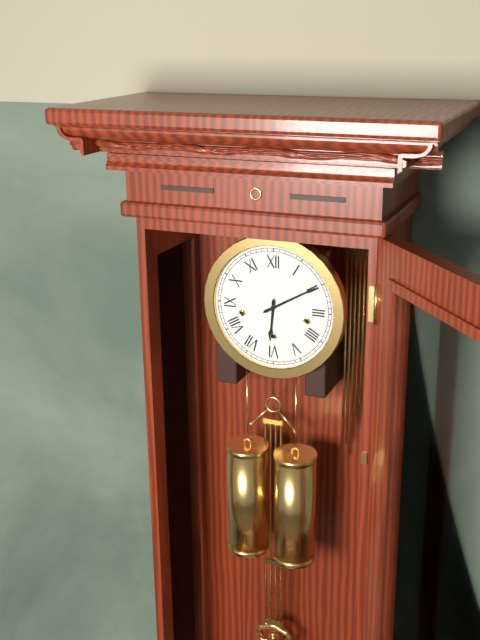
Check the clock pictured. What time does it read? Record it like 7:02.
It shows 6:10
